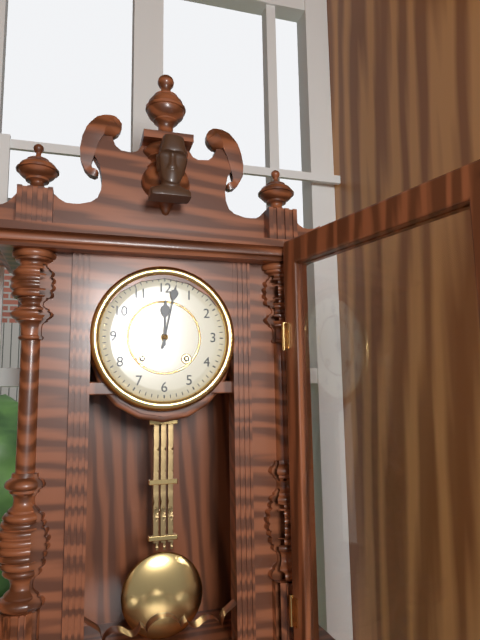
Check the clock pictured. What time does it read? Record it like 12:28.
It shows 12:02
